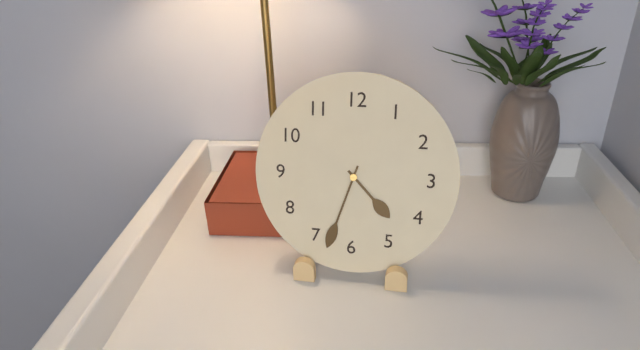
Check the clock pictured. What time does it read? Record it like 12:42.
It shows 4:33
